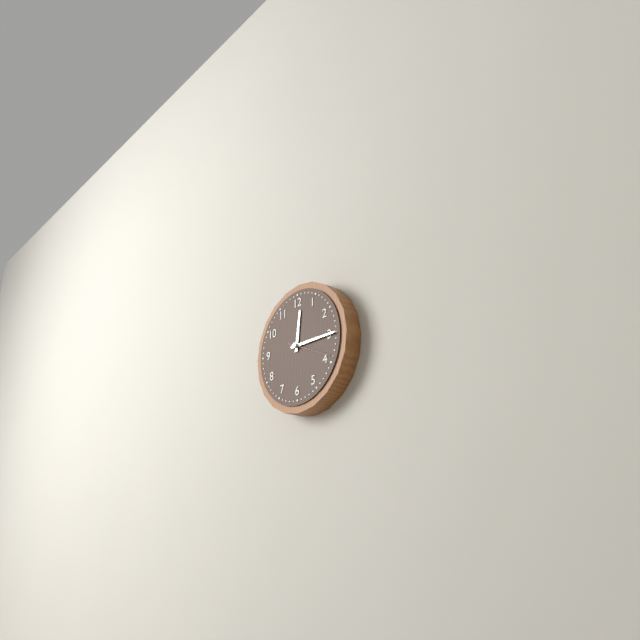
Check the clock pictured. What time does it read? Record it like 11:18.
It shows 12:15
